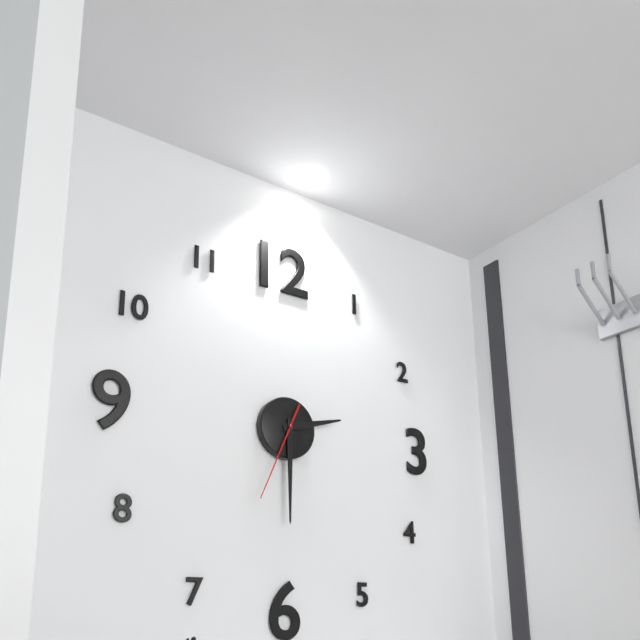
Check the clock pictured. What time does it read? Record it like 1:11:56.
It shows 2:30:34
